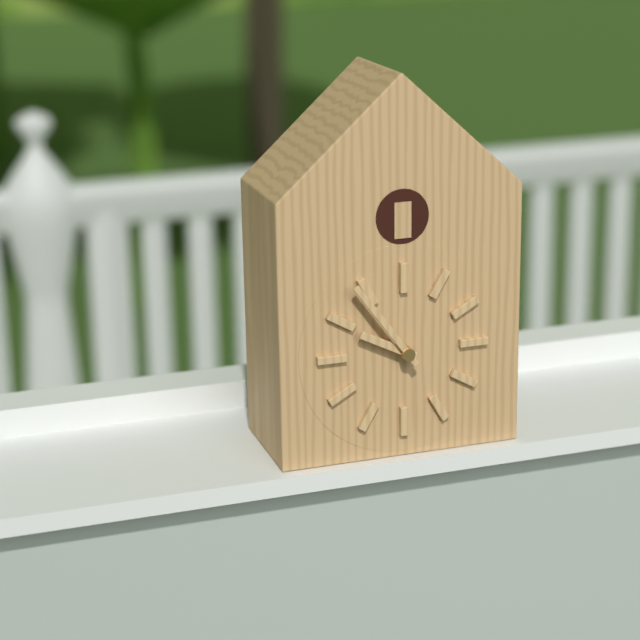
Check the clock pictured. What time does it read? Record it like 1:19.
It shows 9:54
